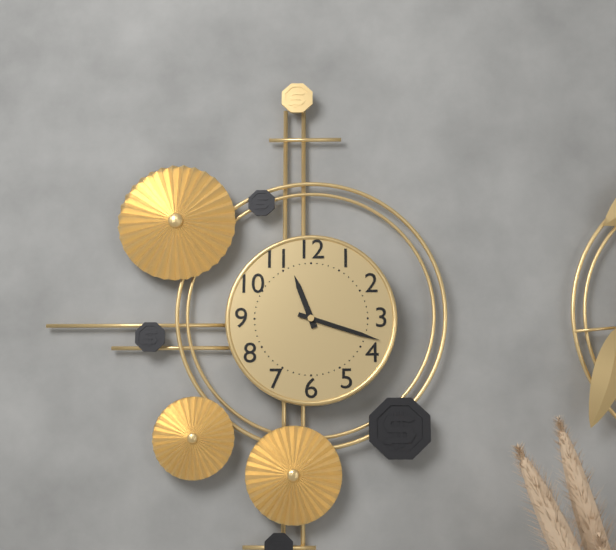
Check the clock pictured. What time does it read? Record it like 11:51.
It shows 11:18
